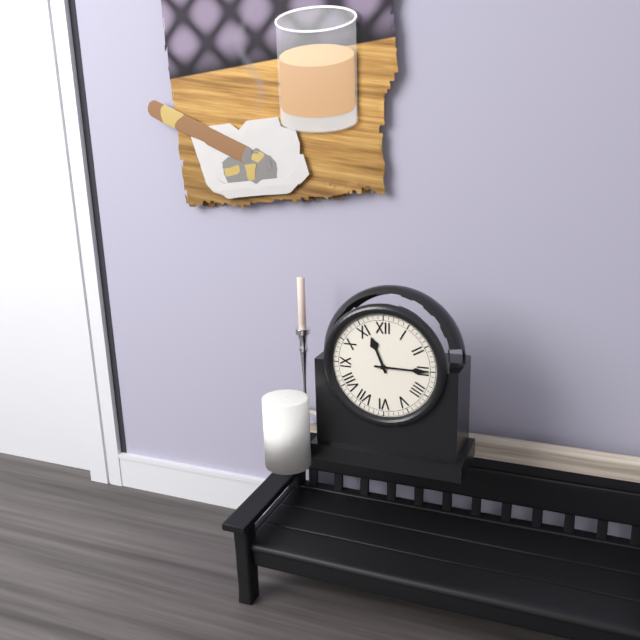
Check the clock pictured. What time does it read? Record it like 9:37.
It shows 11:15
